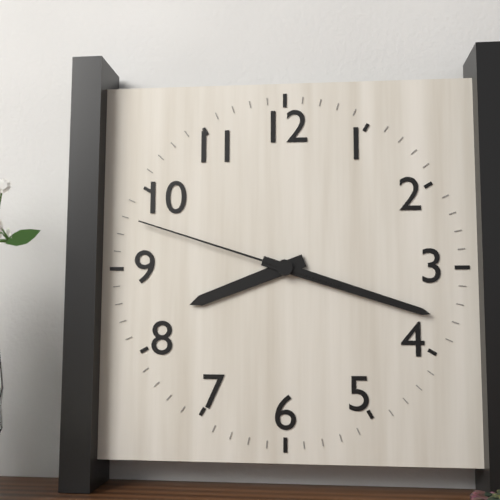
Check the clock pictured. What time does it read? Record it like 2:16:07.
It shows 8:18:48
